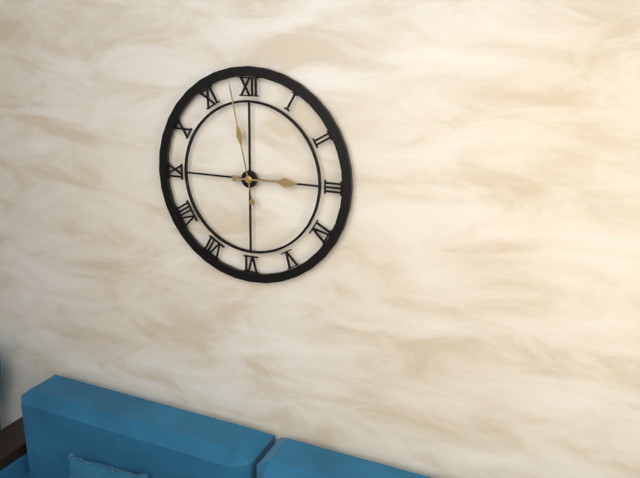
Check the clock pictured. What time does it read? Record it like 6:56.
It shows 2:58
